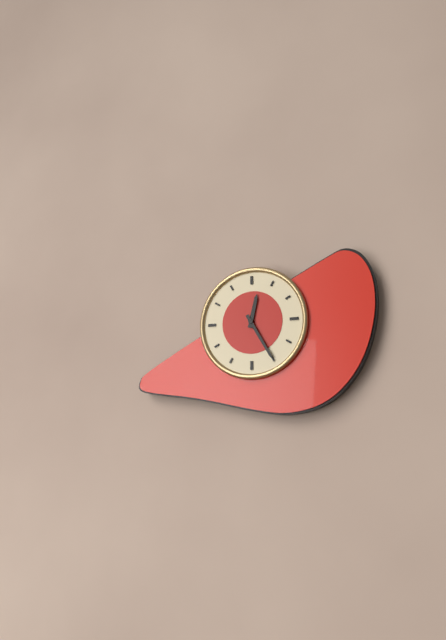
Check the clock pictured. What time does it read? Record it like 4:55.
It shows 12:25
